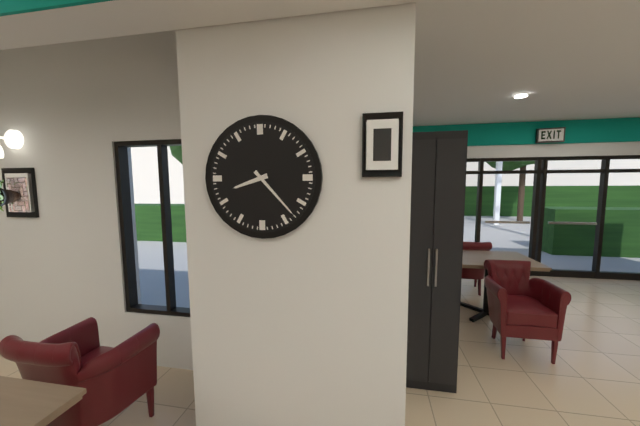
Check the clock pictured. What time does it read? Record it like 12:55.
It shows 8:23
